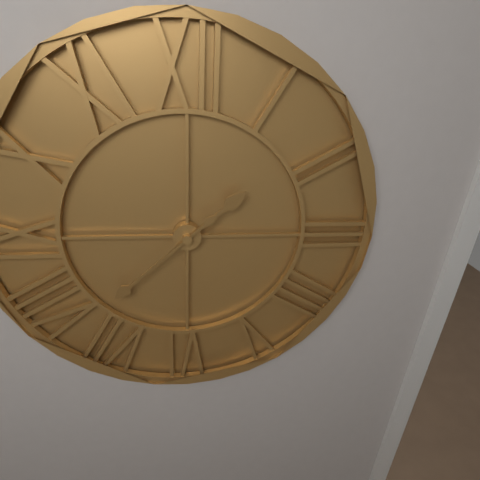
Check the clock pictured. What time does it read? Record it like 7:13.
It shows 1:38
